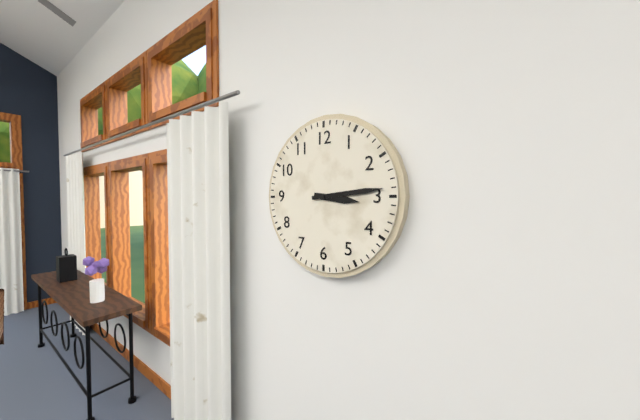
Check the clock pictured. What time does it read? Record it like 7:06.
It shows 3:14
